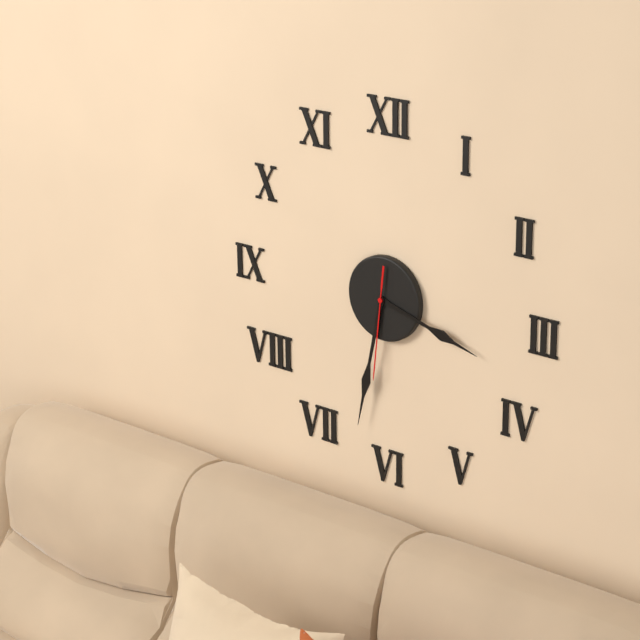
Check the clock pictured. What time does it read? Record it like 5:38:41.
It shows 3:32:31
